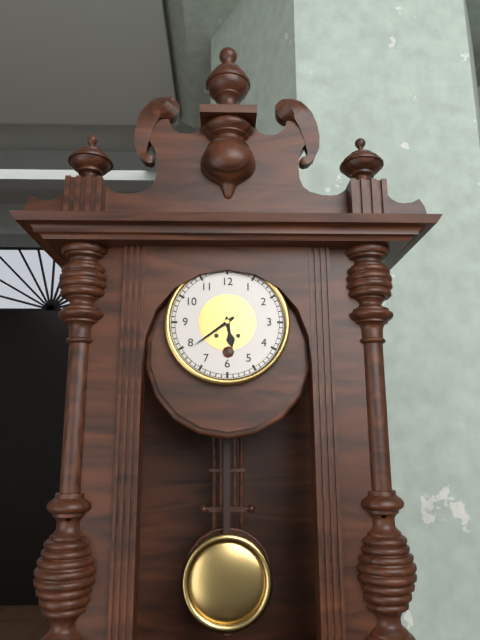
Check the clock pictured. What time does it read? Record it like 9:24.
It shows 5:39
